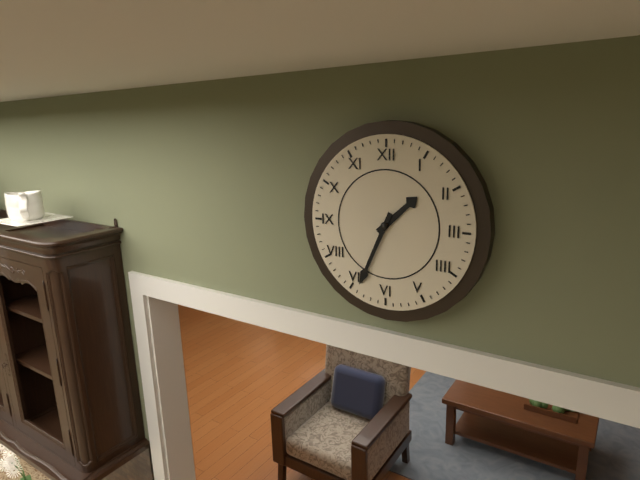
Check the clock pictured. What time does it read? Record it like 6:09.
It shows 1:34
